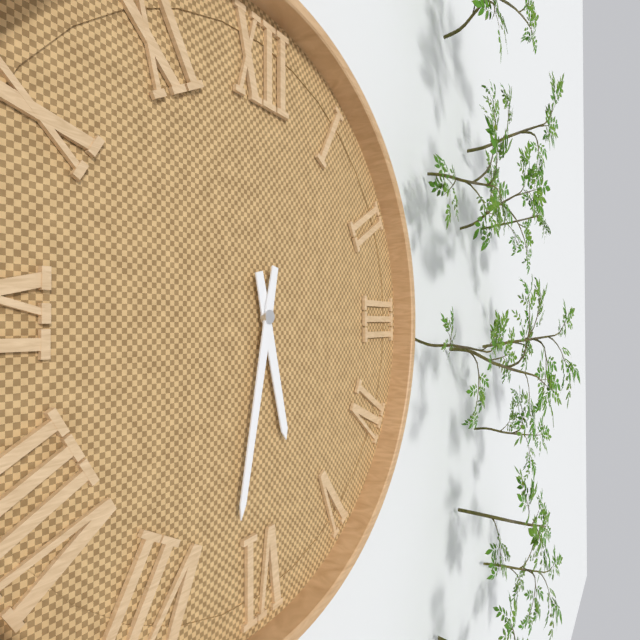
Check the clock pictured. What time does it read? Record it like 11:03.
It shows 5:32
